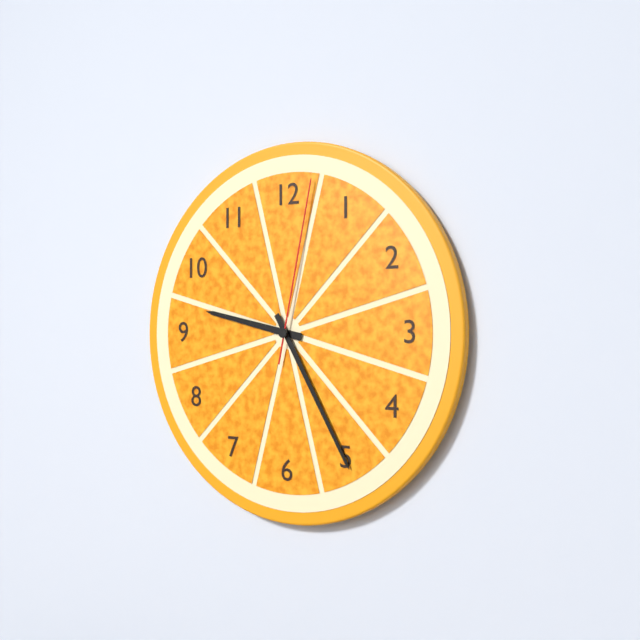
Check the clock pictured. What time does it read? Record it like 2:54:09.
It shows 9:25:02
